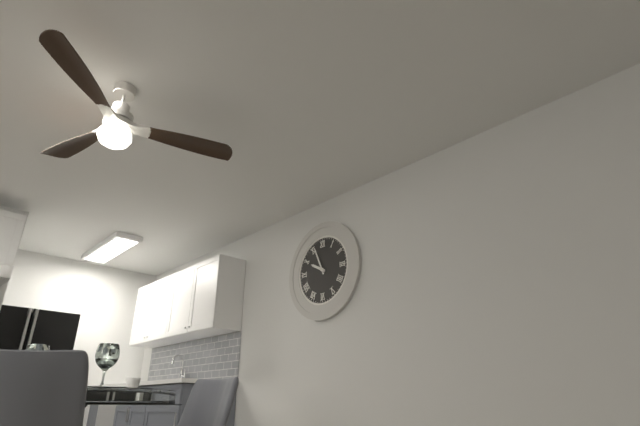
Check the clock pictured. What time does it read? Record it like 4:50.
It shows 9:56
